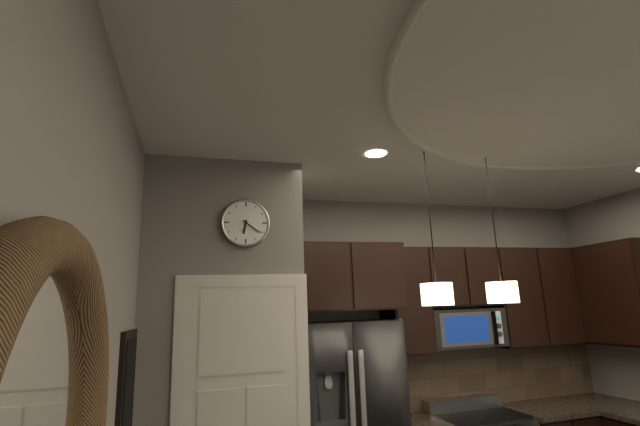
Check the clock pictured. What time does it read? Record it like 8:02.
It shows 6:21
